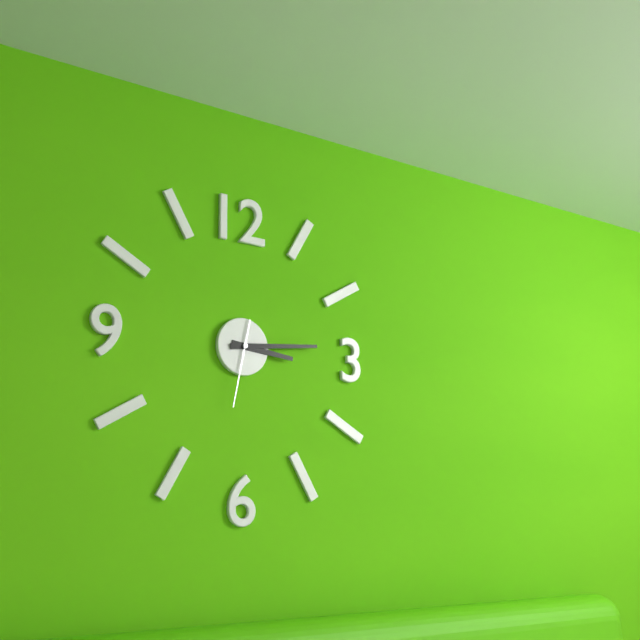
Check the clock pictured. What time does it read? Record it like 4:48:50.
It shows 3:14:32
